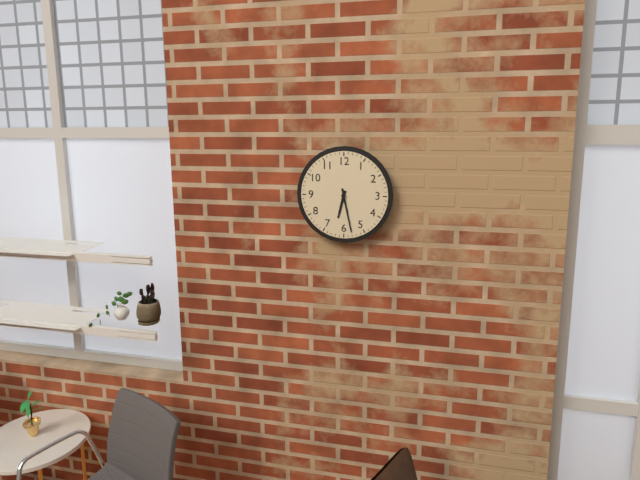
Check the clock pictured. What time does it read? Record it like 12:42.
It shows 6:28
